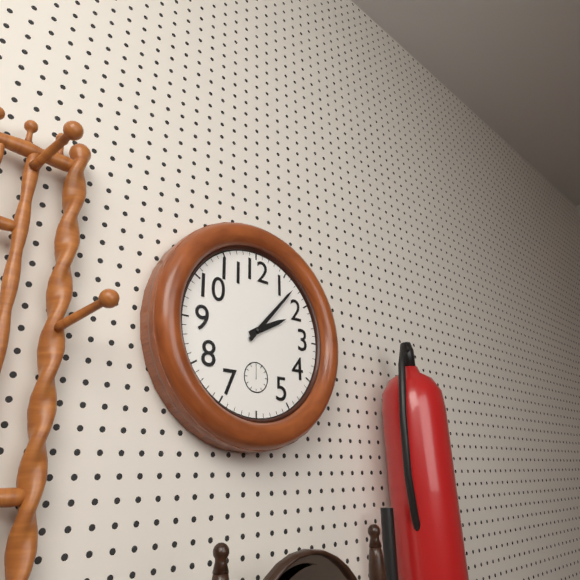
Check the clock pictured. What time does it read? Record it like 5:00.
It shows 2:07
